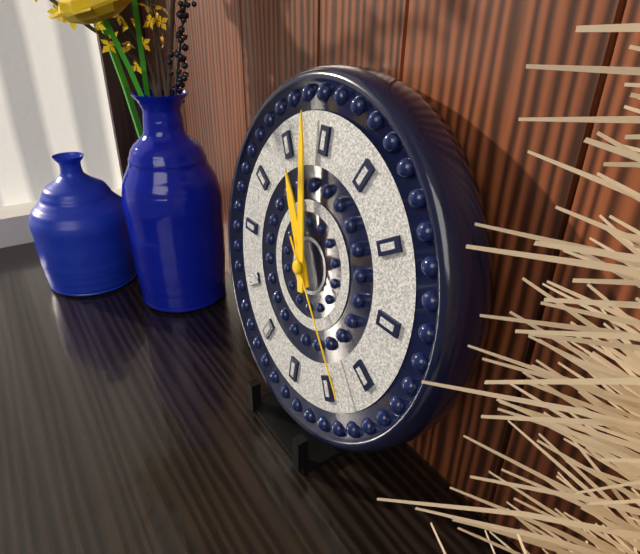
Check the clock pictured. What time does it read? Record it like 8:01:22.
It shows 10:58:23
